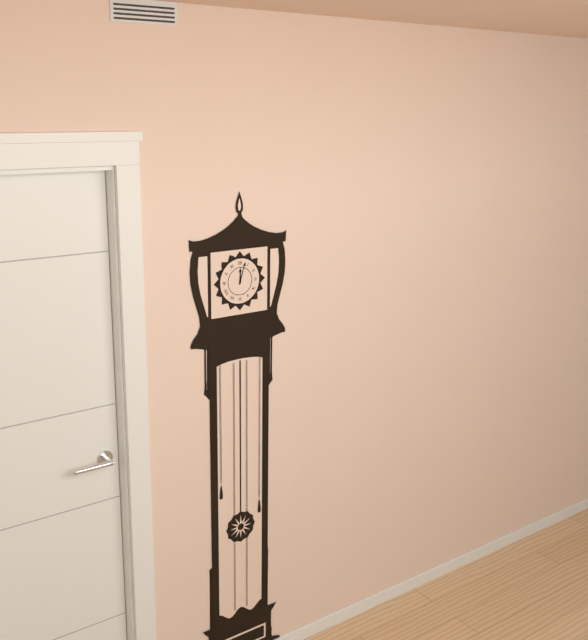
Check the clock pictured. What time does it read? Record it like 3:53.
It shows 12:03
